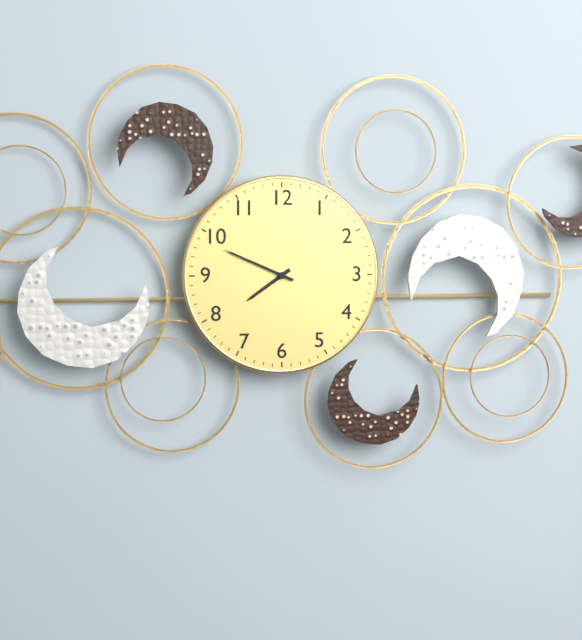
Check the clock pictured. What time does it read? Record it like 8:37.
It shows 7:49
